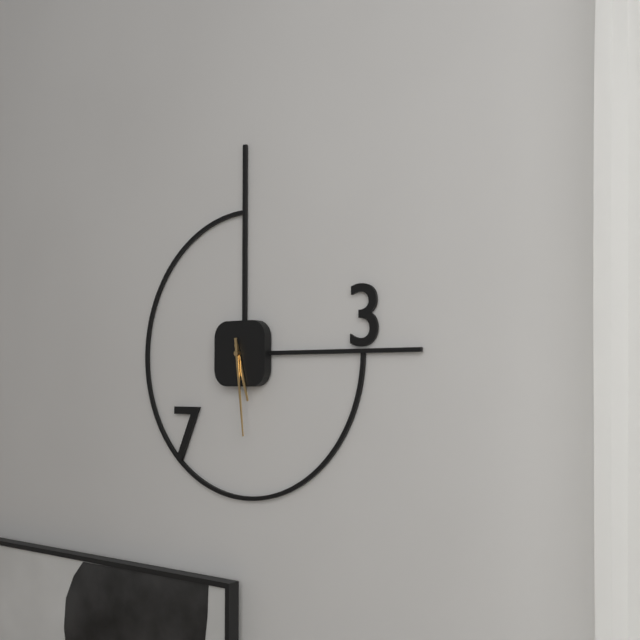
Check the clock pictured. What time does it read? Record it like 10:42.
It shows 5:29
